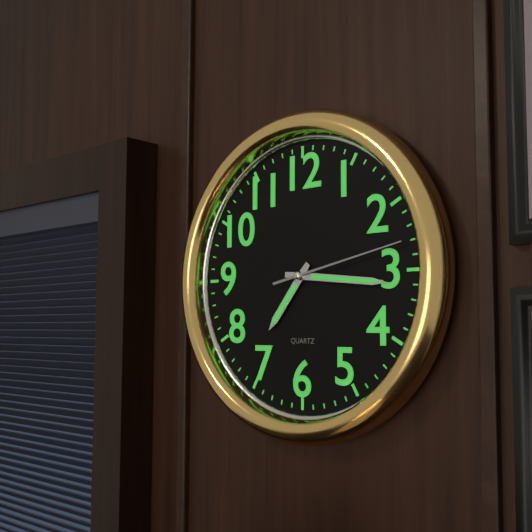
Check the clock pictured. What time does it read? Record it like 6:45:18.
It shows 7:16:13
